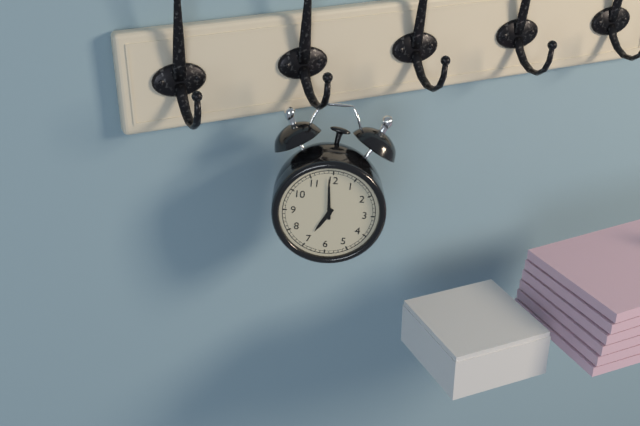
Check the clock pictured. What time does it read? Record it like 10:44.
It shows 6:59
